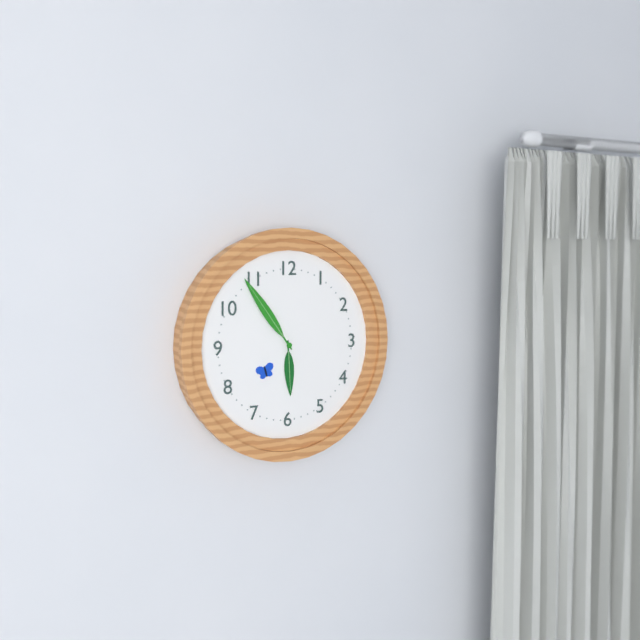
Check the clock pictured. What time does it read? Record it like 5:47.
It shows 5:54
